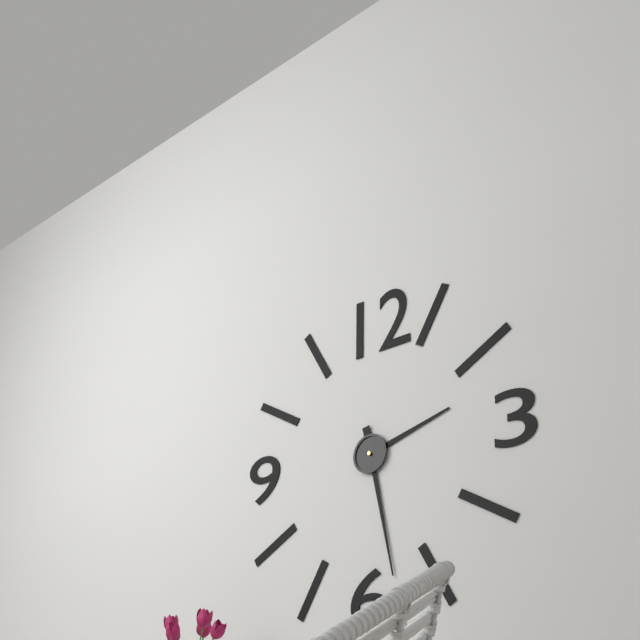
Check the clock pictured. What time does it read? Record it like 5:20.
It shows 2:28
